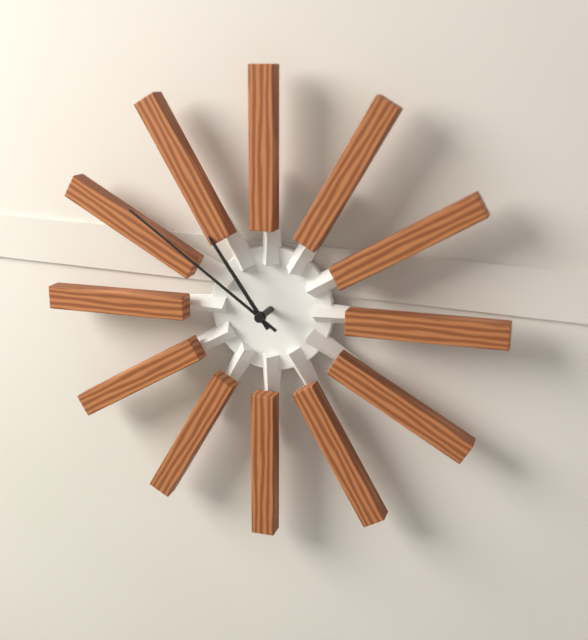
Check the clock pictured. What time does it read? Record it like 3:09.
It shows 10:51
